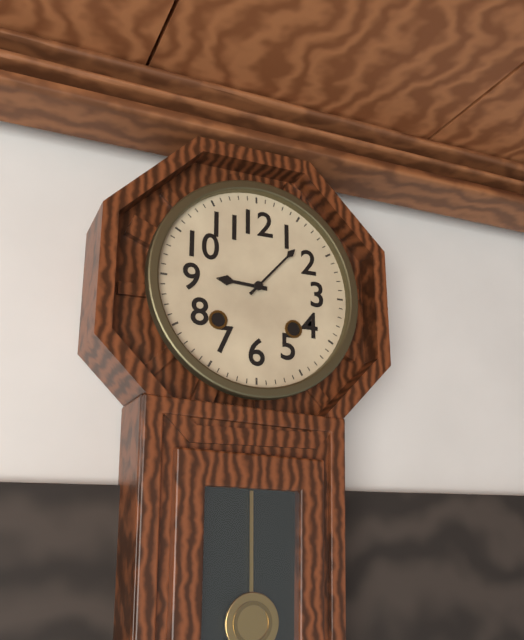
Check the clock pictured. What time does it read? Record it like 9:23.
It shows 9:07
